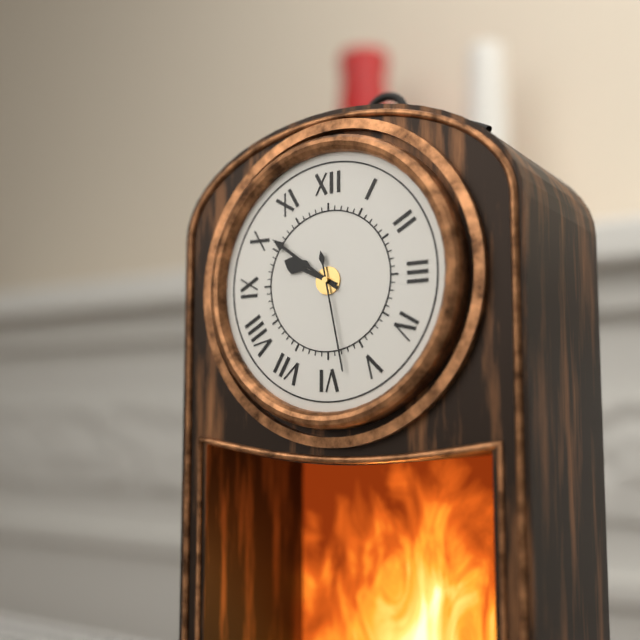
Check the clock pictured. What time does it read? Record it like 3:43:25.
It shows 9:51:28
